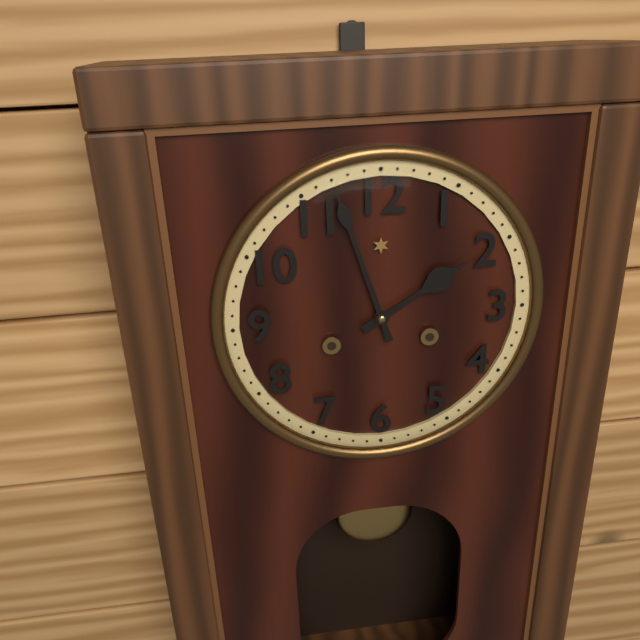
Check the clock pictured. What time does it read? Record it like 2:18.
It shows 1:57
